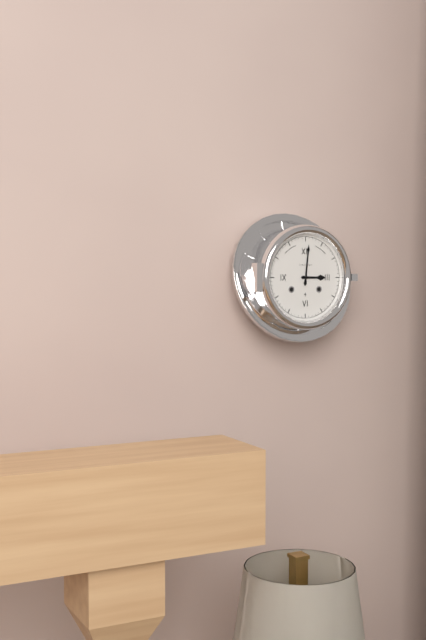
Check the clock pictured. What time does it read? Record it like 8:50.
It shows 3:01
